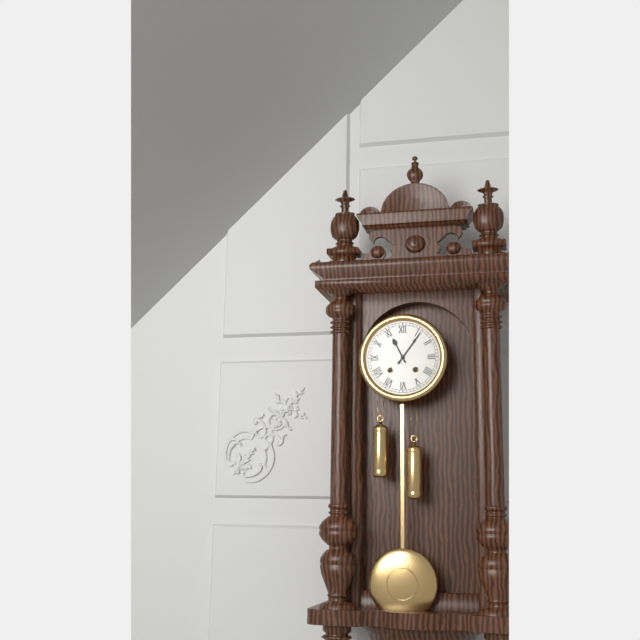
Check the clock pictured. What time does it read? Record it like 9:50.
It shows 11:06
